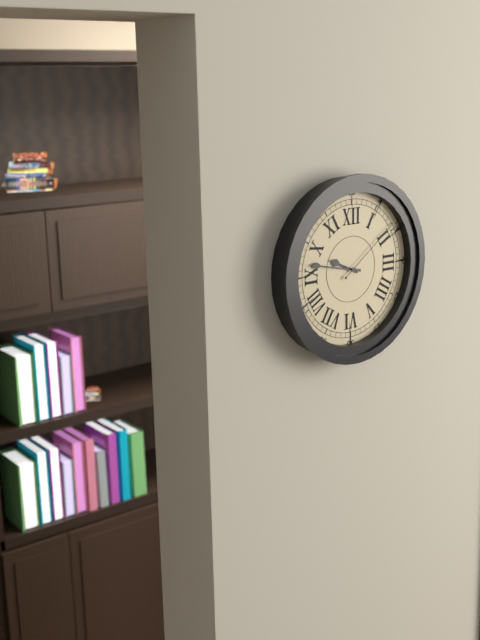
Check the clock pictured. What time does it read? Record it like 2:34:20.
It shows 9:47:09
